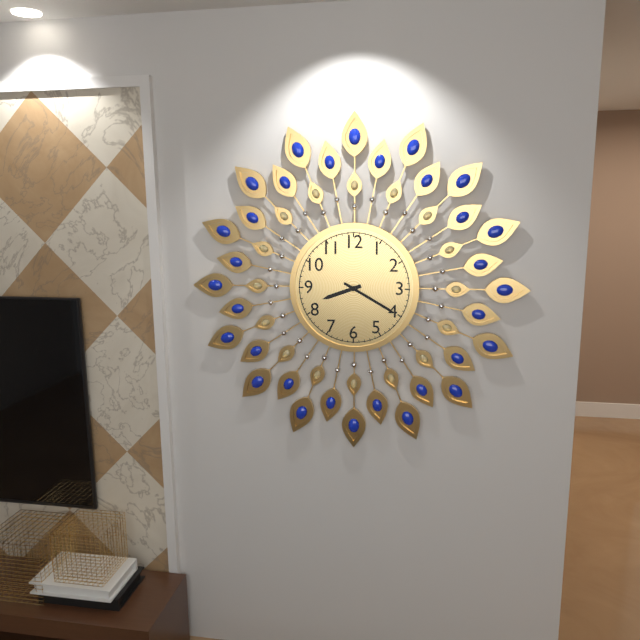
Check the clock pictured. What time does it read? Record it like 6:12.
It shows 8:20
